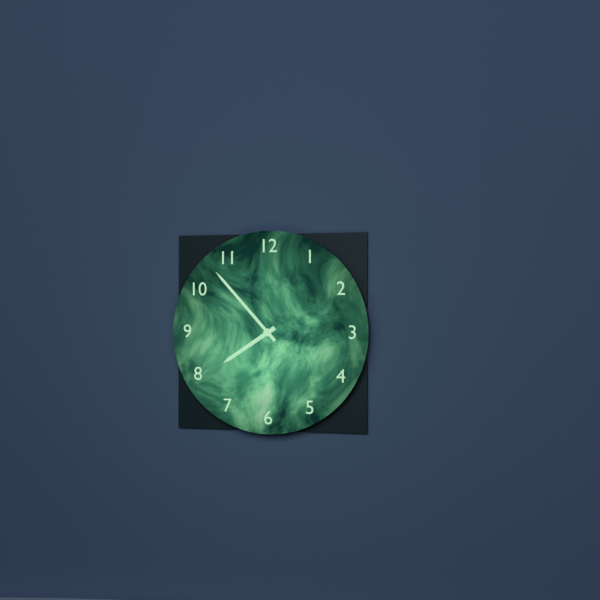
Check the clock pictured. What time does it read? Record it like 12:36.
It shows 7:53
